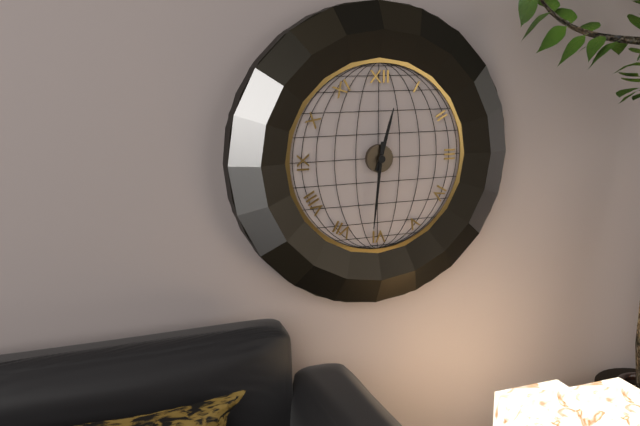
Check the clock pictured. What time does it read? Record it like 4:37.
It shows 12:31
